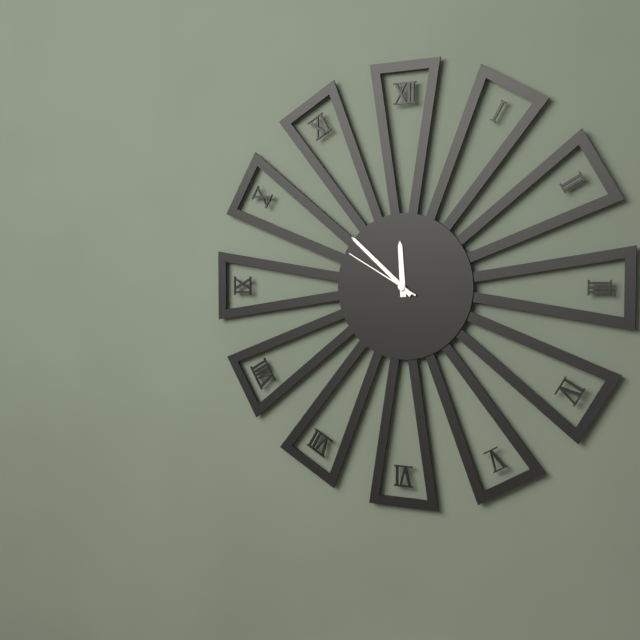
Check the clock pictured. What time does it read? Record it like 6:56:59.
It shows 11:52:50
